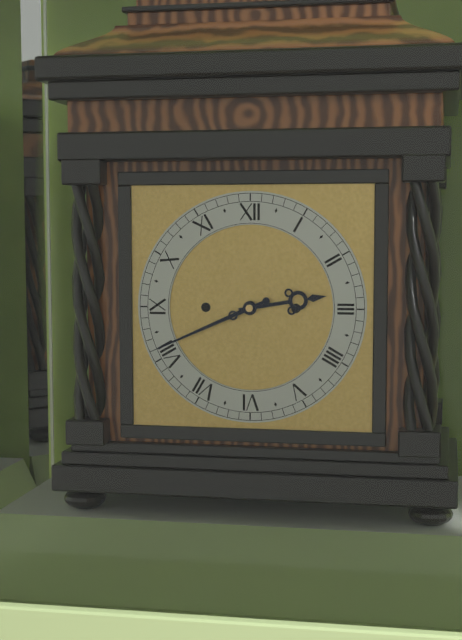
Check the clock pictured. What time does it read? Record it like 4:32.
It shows 2:41
